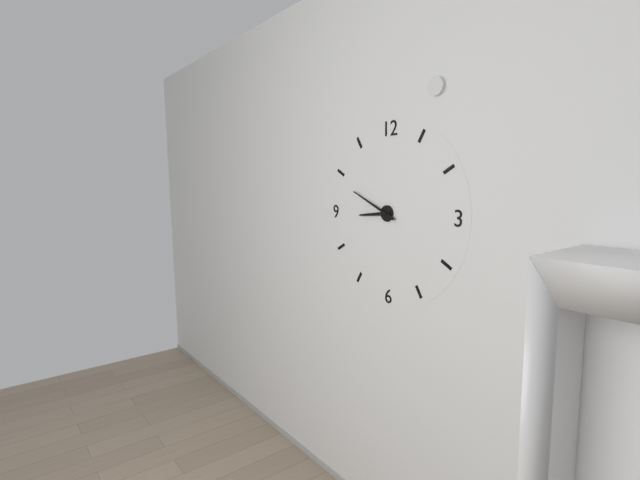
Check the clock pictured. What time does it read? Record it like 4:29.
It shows 8:49
